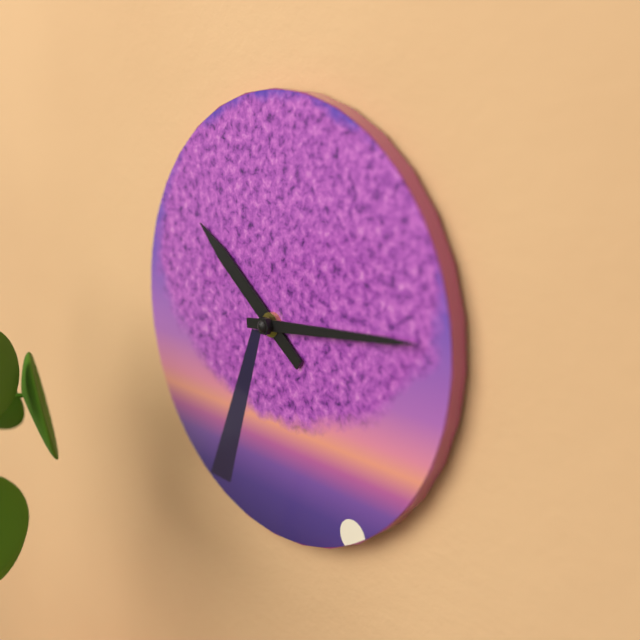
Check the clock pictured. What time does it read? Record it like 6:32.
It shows 10:14
